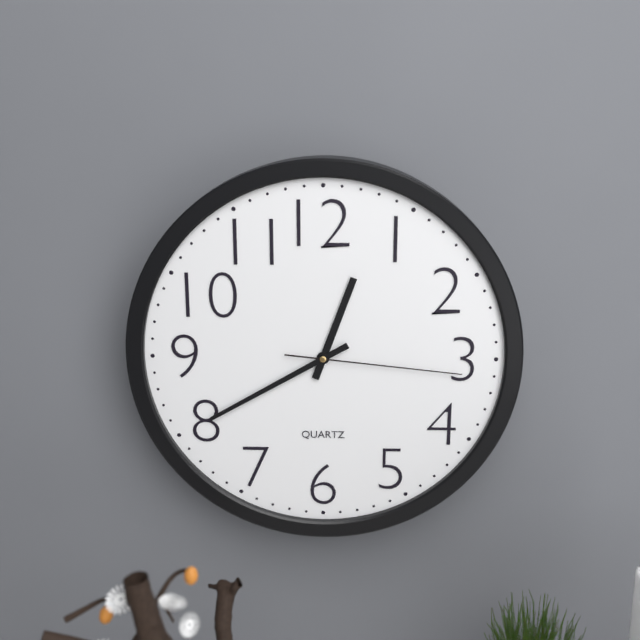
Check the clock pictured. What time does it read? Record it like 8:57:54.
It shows 12:40:16
